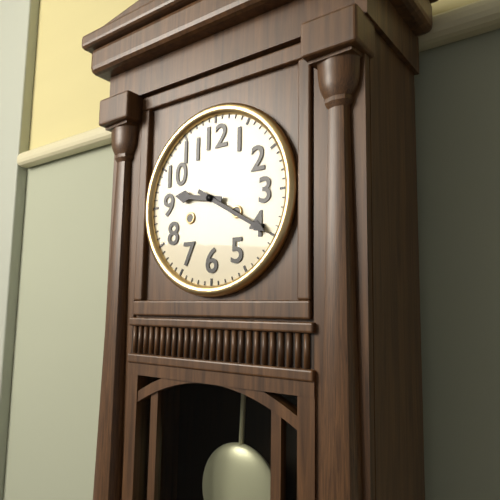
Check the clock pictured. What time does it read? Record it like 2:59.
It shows 9:20
